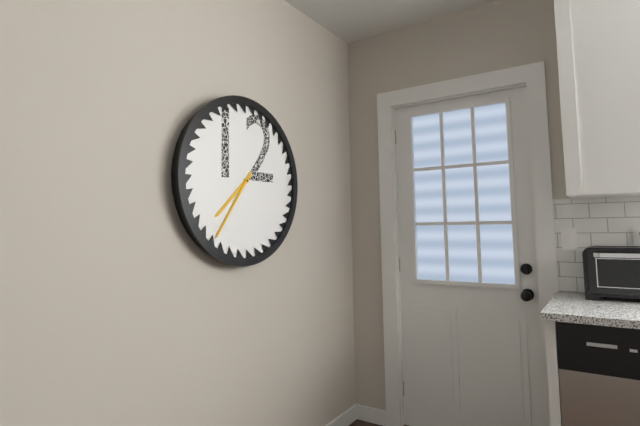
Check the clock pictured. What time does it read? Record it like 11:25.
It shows 7:36
